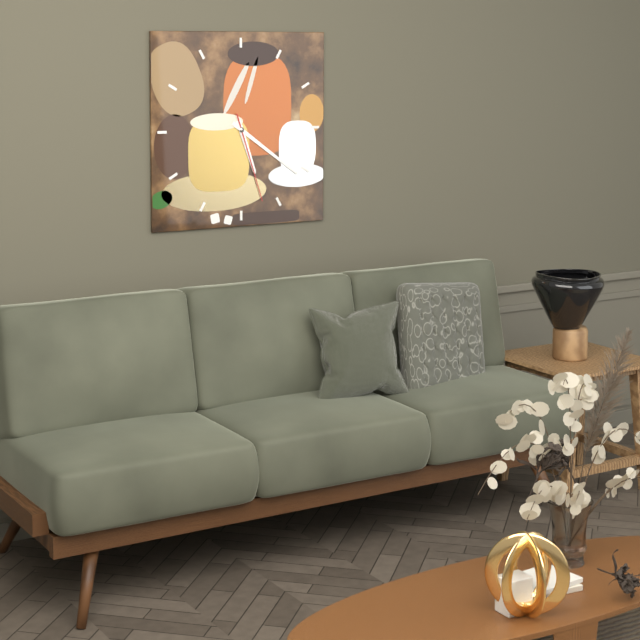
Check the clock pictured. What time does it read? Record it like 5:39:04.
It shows 5:21:27
